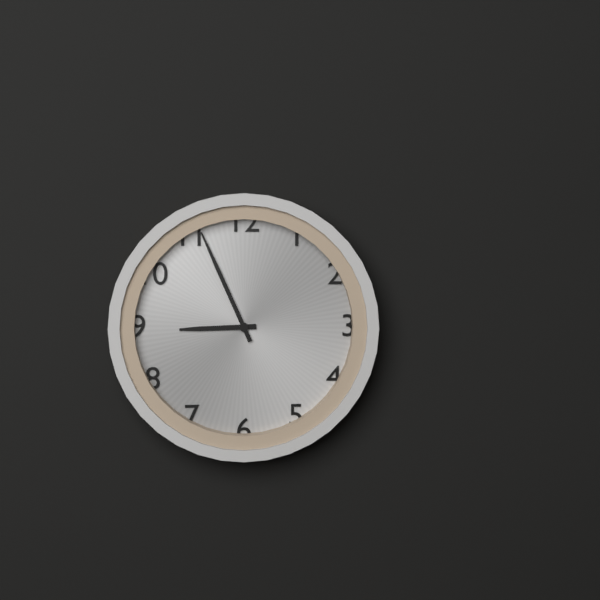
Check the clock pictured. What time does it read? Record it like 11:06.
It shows 8:56
